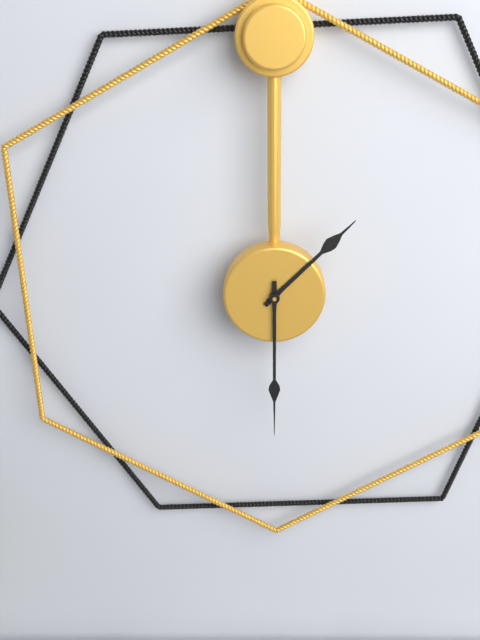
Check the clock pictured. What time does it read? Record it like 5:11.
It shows 1:30
